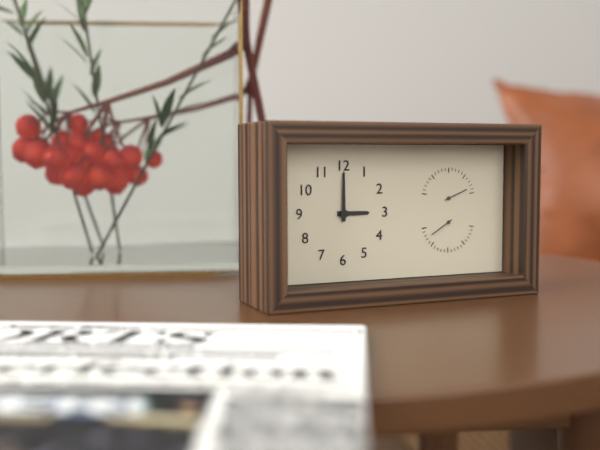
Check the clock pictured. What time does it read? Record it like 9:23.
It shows 3:00
